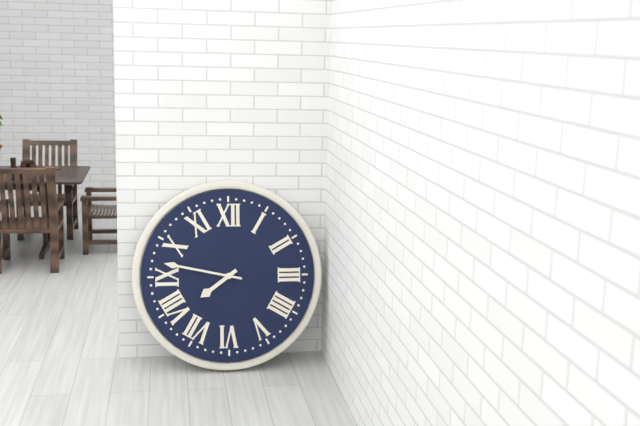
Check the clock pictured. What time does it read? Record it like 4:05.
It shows 7:47
